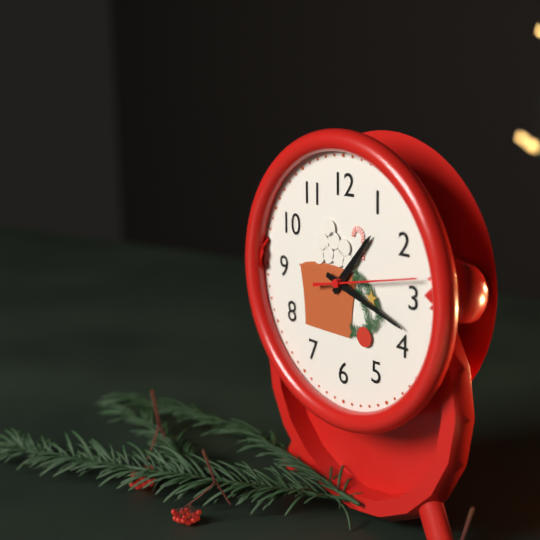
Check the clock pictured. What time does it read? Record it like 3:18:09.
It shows 1:18:13
